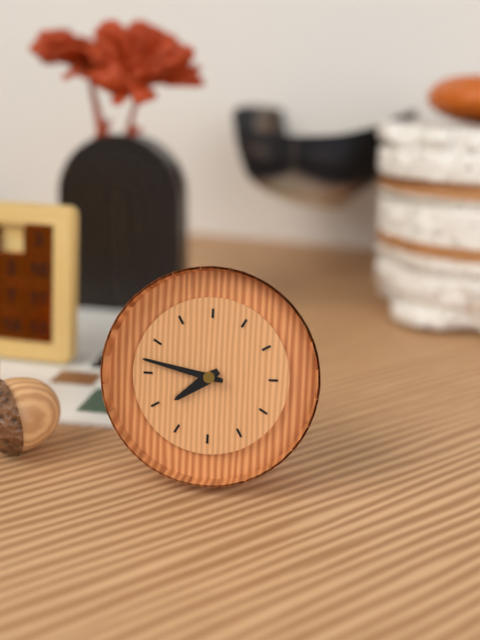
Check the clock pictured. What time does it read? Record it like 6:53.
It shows 7:47
